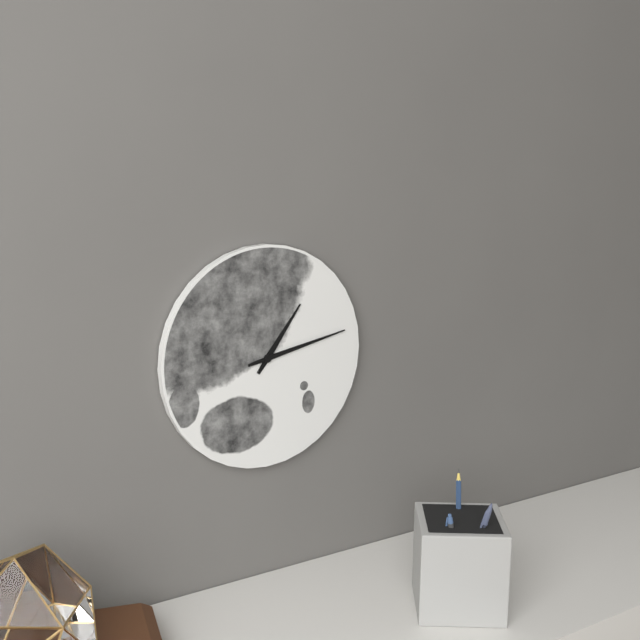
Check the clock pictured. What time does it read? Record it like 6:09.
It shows 1:13
